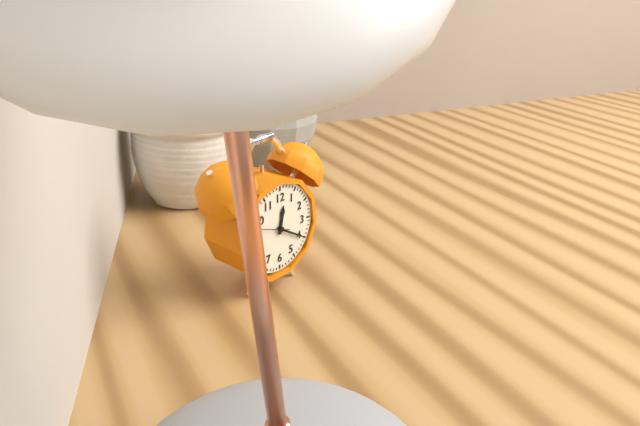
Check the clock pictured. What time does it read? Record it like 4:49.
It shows 12:20
